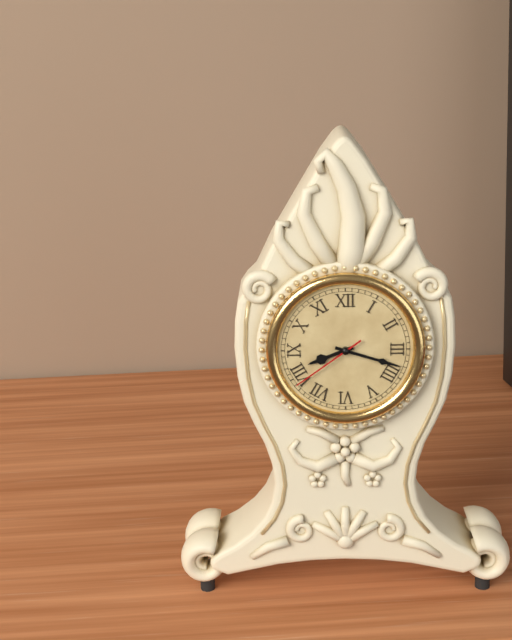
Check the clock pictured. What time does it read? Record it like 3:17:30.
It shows 8:18:39
